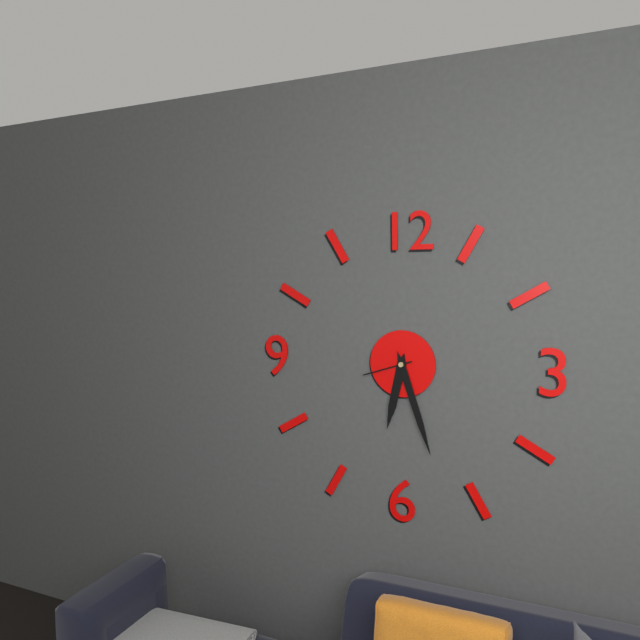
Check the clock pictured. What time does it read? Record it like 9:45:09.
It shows 6:27:42
